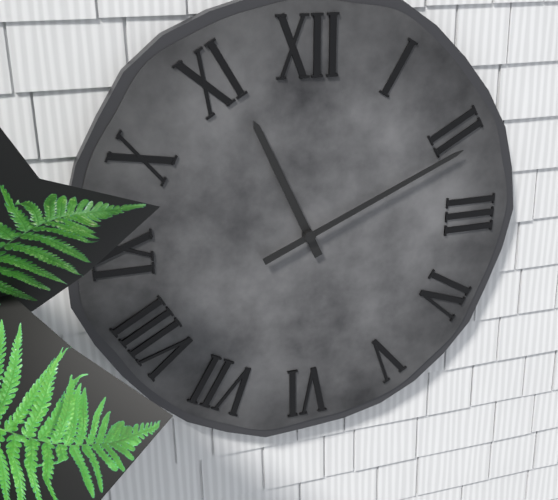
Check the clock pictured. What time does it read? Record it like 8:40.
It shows 11:11
